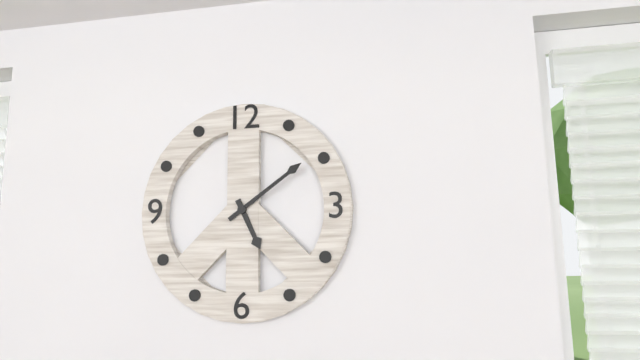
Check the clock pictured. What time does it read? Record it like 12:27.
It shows 5:09
